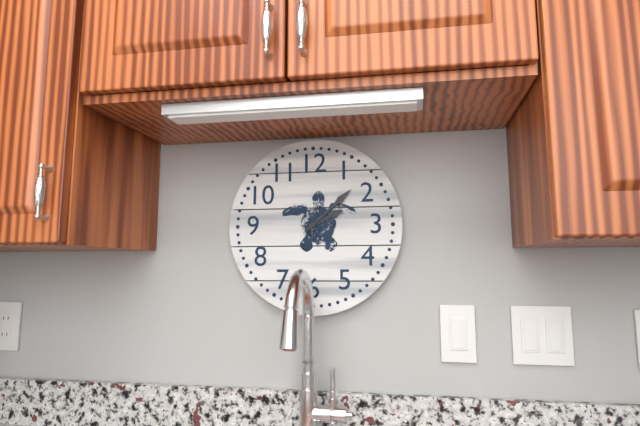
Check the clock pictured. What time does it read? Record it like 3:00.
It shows 2:08
